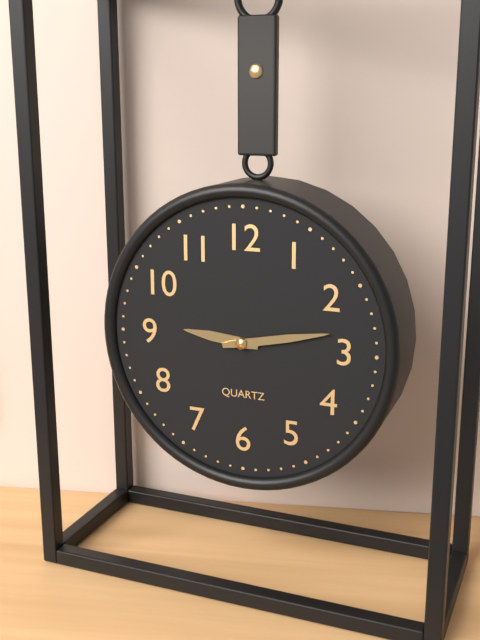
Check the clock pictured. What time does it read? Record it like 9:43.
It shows 9:13
